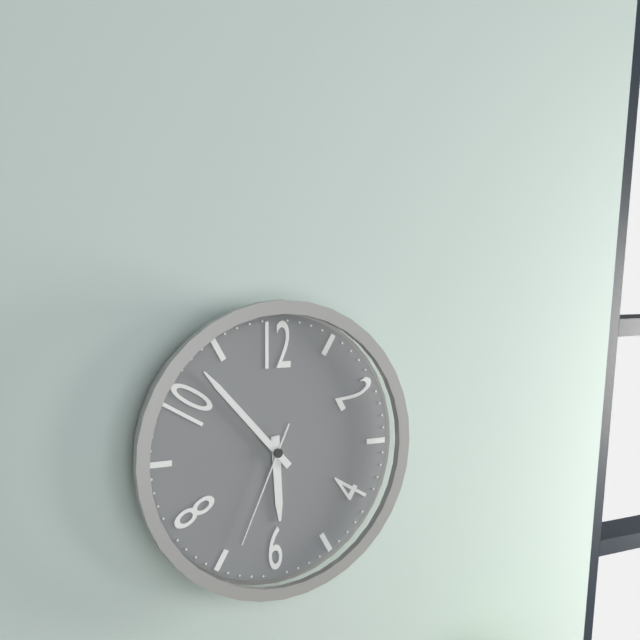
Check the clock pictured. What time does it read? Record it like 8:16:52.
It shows 5:53:34
